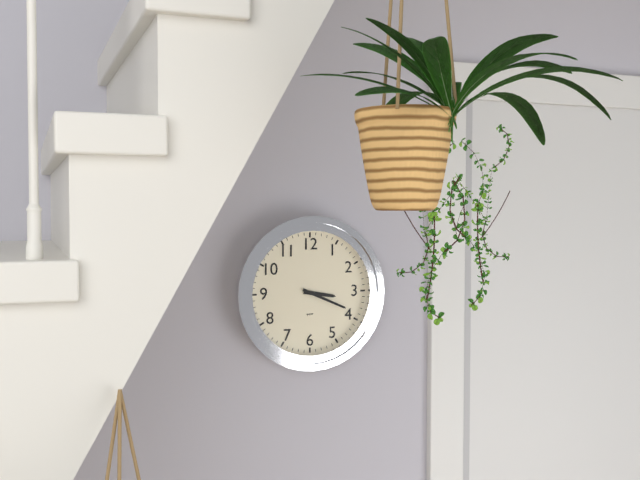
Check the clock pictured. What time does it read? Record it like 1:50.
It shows 3:19
